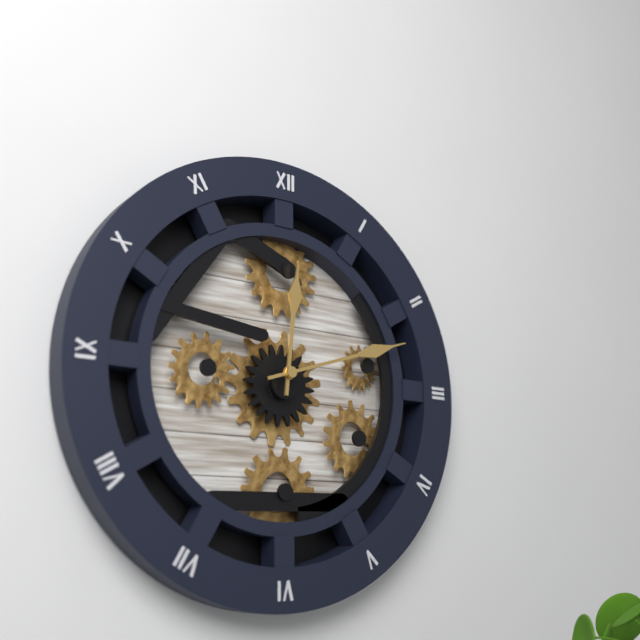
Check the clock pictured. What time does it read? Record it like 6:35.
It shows 12:12
